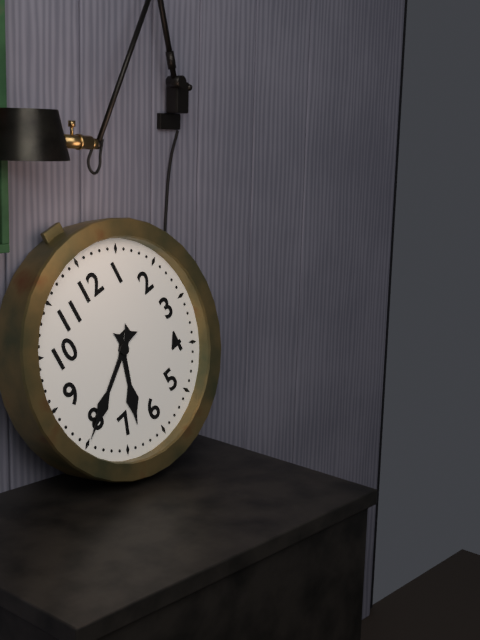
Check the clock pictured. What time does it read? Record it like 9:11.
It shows 6:40
